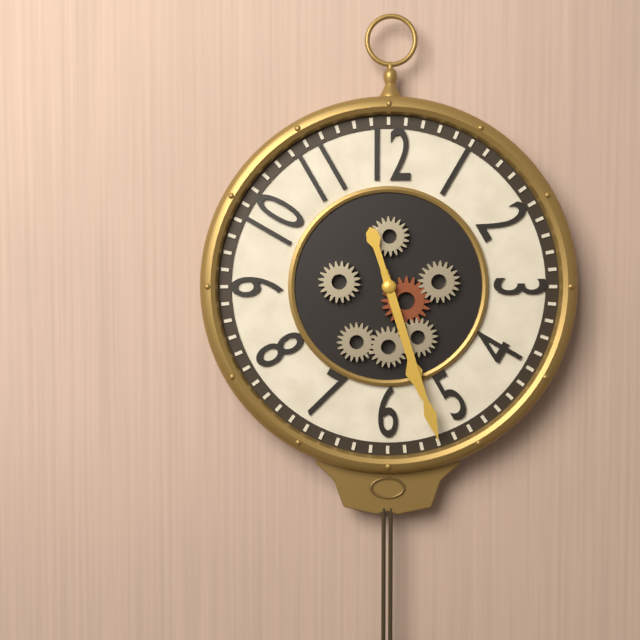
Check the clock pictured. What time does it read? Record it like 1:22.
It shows 5:27
